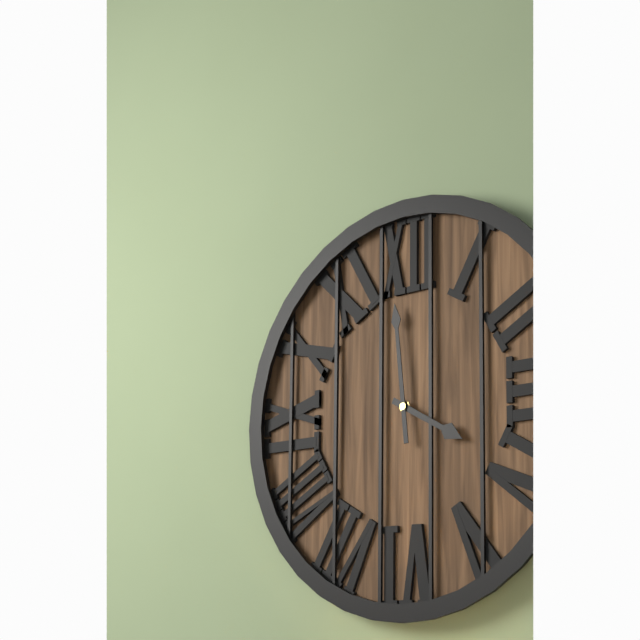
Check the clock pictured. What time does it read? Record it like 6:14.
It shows 3:59
